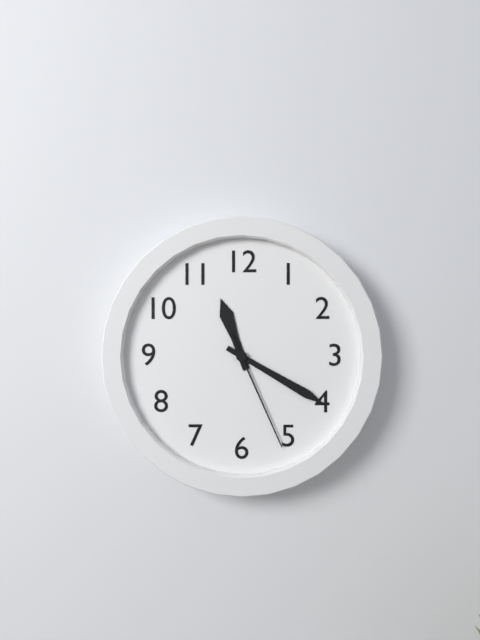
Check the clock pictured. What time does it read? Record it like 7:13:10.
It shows 11:20:26
